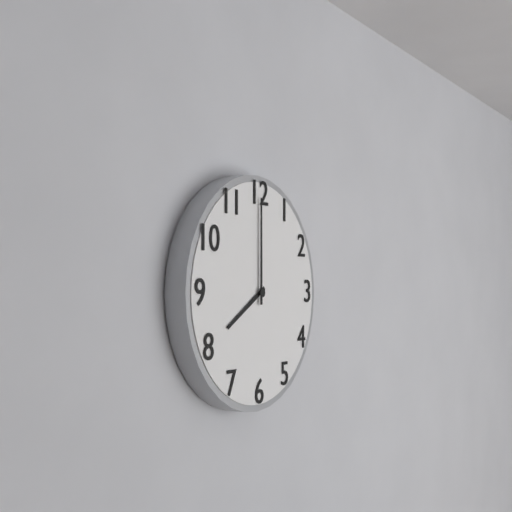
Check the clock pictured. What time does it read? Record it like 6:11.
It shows 8:00
